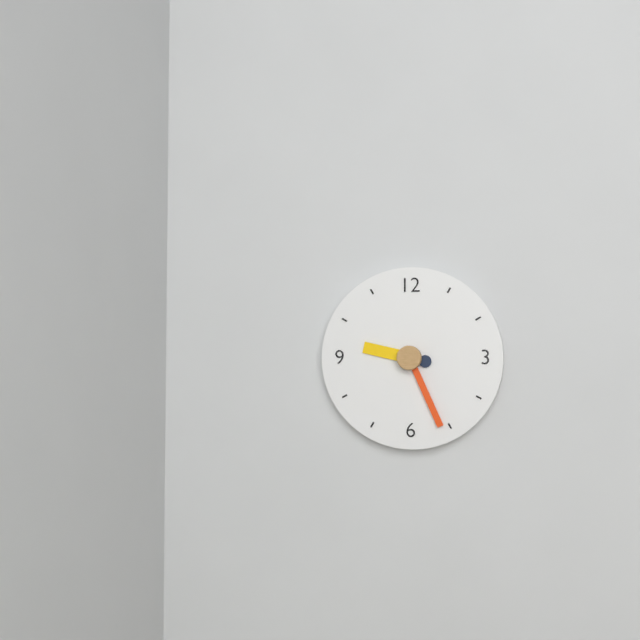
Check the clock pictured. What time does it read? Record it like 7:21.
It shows 9:26
